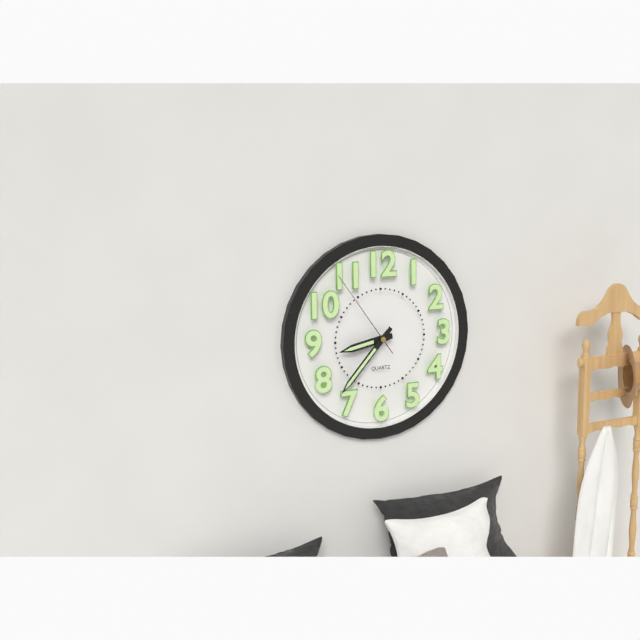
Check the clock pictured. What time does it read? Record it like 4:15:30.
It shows 8:37:54
